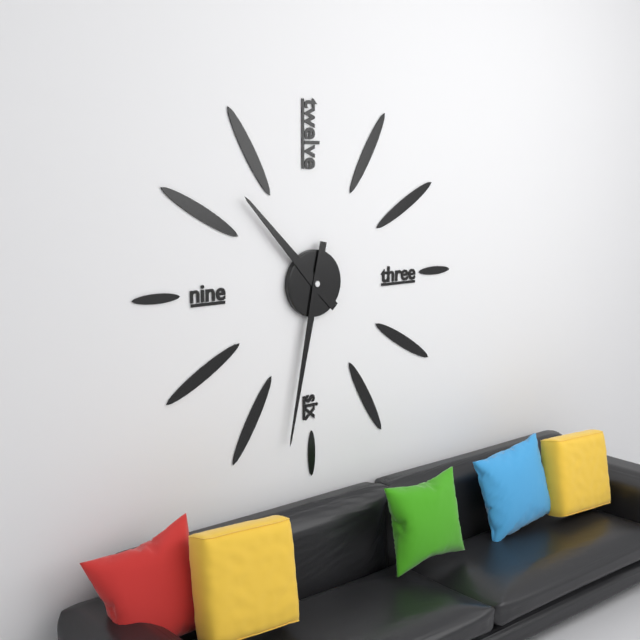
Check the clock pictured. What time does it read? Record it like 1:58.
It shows 10:32
